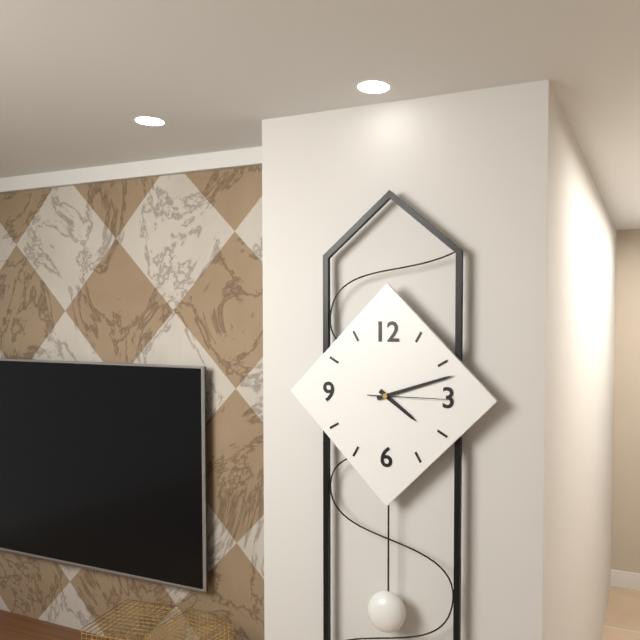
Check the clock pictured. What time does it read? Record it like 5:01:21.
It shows 4:12:15
